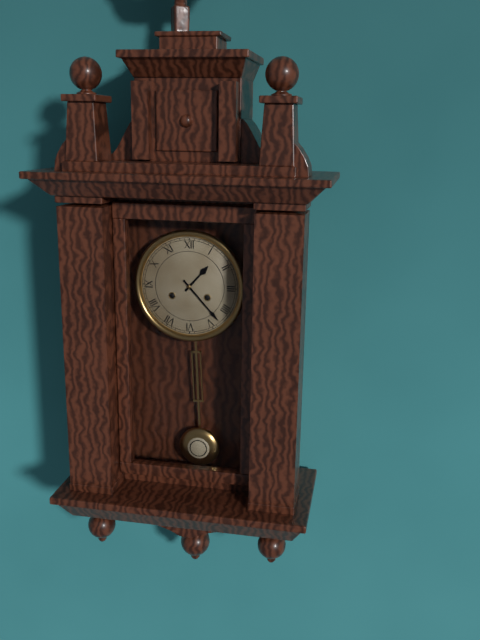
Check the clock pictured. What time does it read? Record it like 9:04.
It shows 1:23
